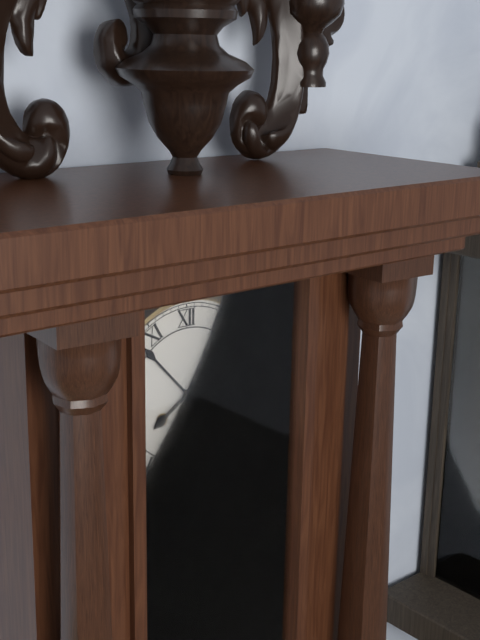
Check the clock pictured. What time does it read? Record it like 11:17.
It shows 7:53
